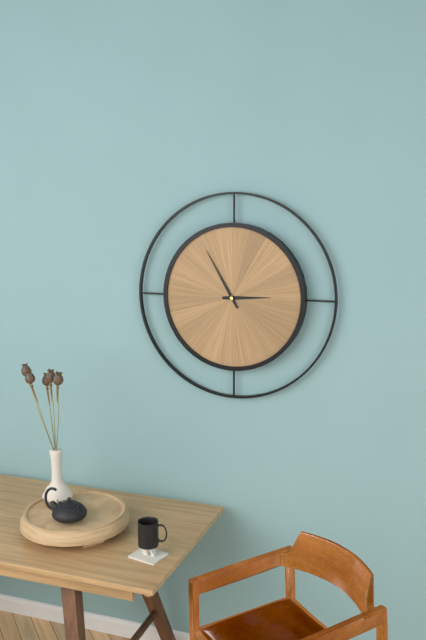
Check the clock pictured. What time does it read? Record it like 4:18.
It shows 2:55
